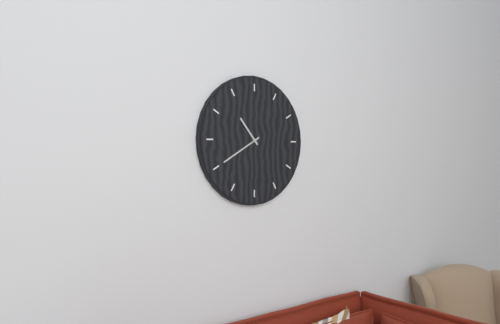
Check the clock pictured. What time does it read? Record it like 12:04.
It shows 10:40
